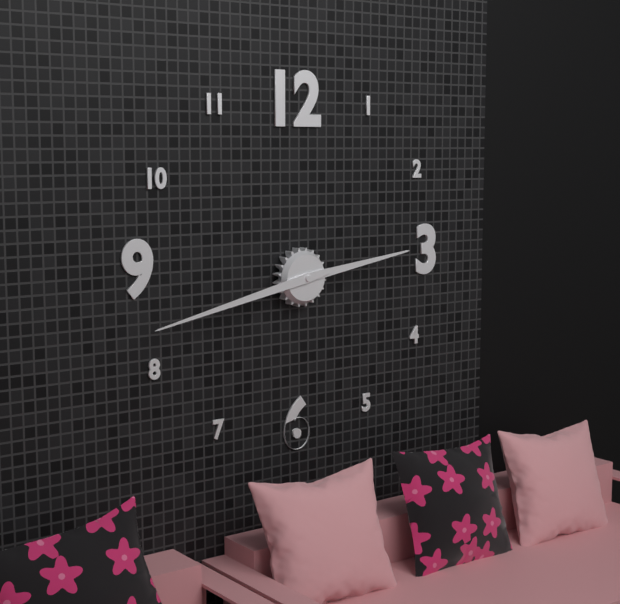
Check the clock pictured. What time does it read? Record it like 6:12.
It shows 2:43
